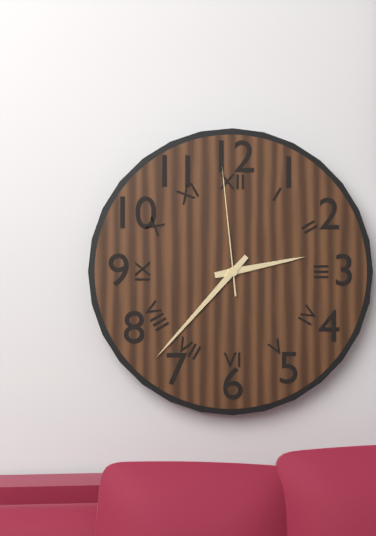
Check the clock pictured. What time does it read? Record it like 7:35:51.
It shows 2:37:59
